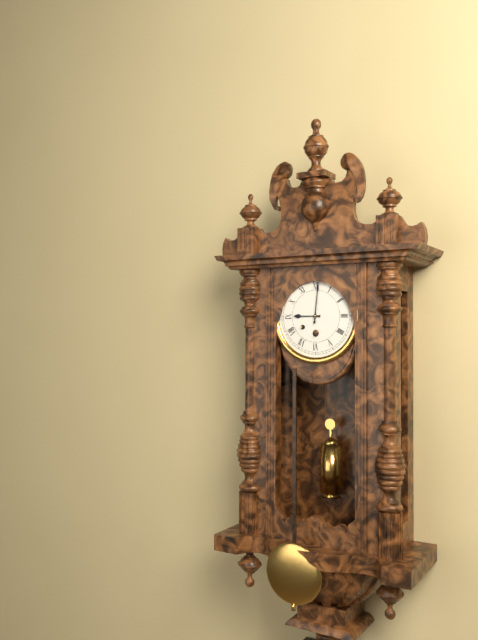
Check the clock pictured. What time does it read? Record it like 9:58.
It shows 9:01
